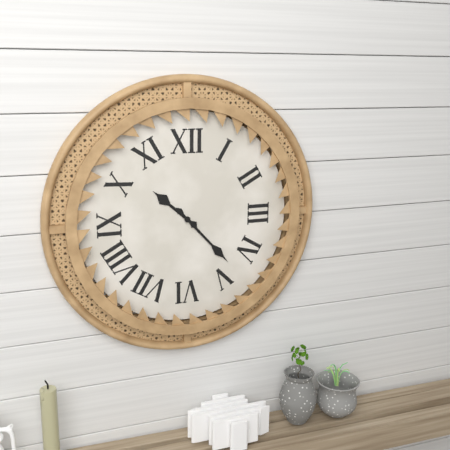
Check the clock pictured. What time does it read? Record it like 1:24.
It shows 10:23
